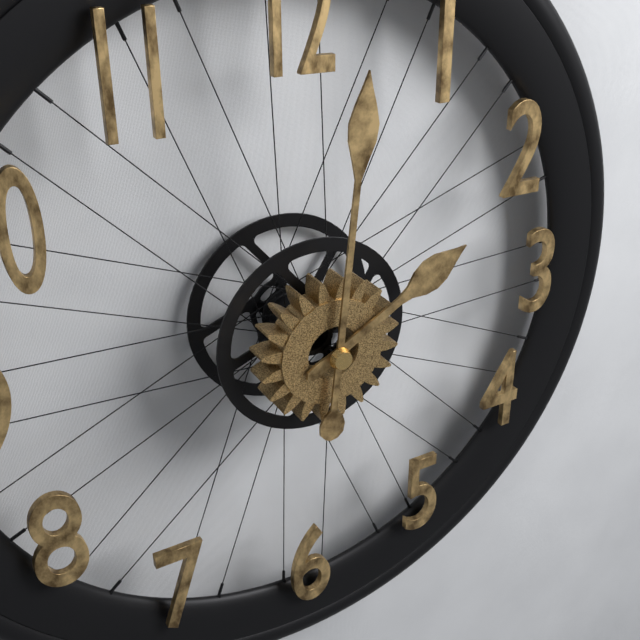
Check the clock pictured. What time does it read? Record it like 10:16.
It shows 2:01
